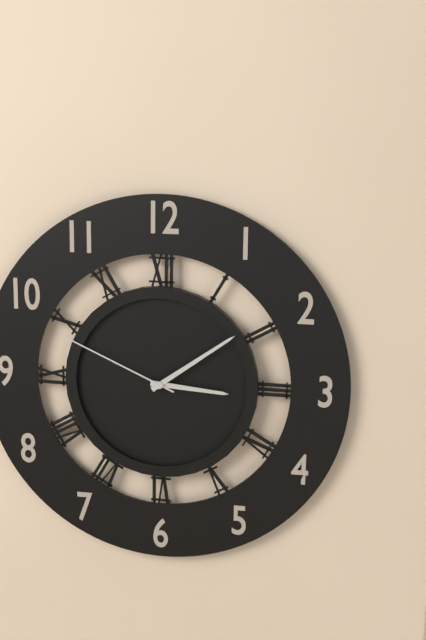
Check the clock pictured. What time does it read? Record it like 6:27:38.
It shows 3:09:49
